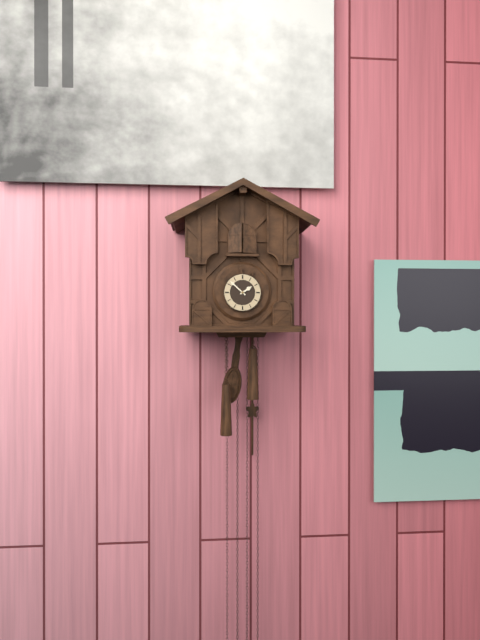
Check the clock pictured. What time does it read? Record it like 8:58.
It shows 1:52
